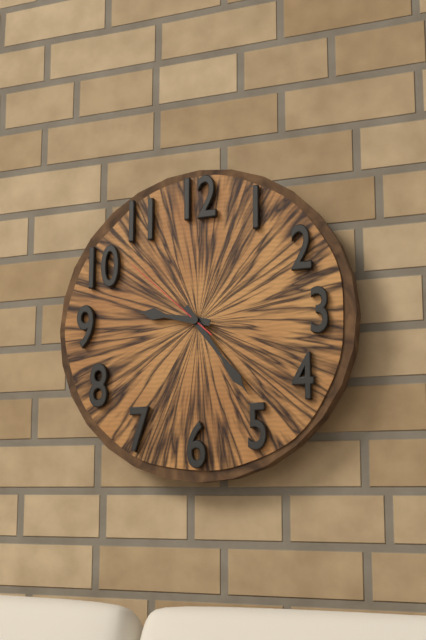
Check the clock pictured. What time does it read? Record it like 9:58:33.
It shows 9:24:52
